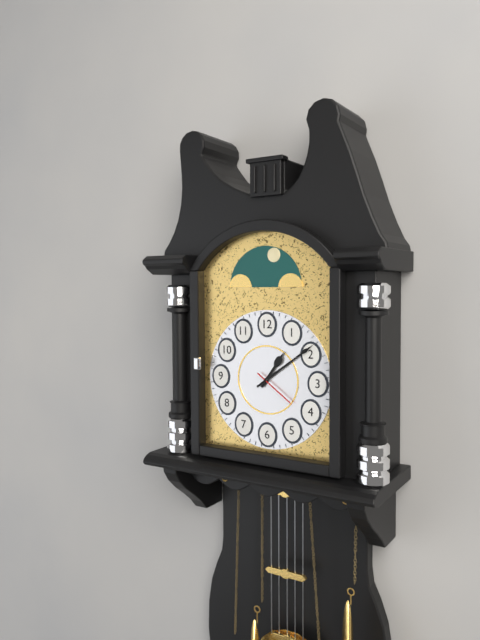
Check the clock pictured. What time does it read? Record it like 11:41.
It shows 1:09
